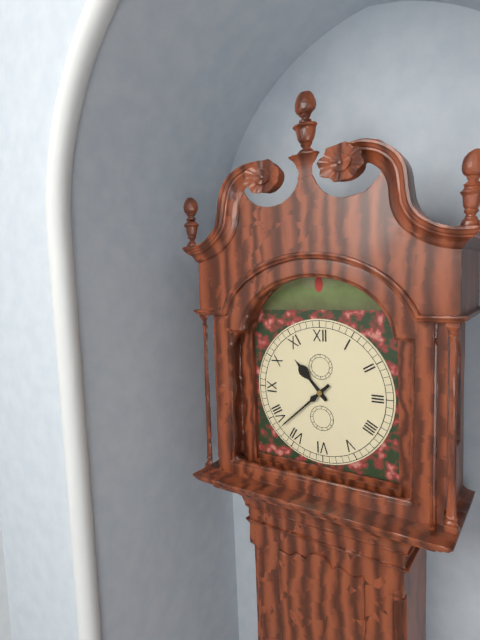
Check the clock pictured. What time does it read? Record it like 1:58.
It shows 10:38
